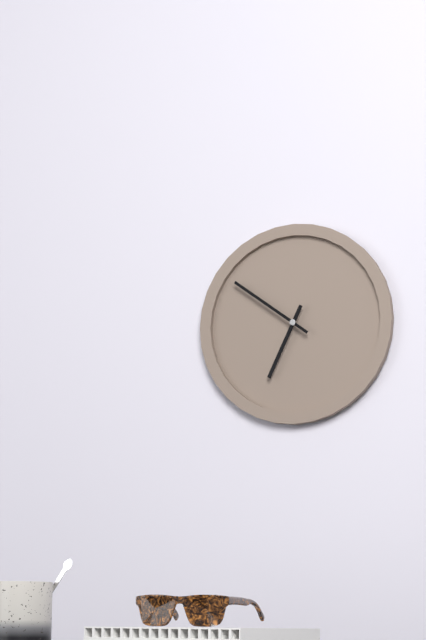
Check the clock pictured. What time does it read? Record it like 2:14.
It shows 6:51
